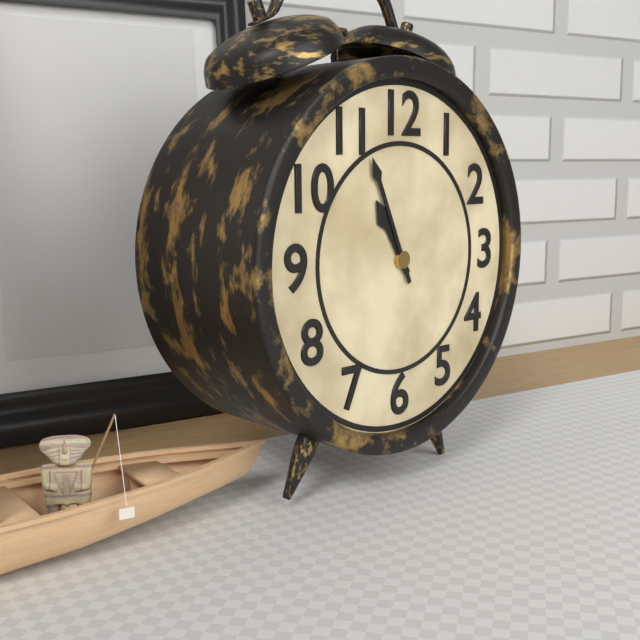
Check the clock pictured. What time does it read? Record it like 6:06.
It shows 10:56
